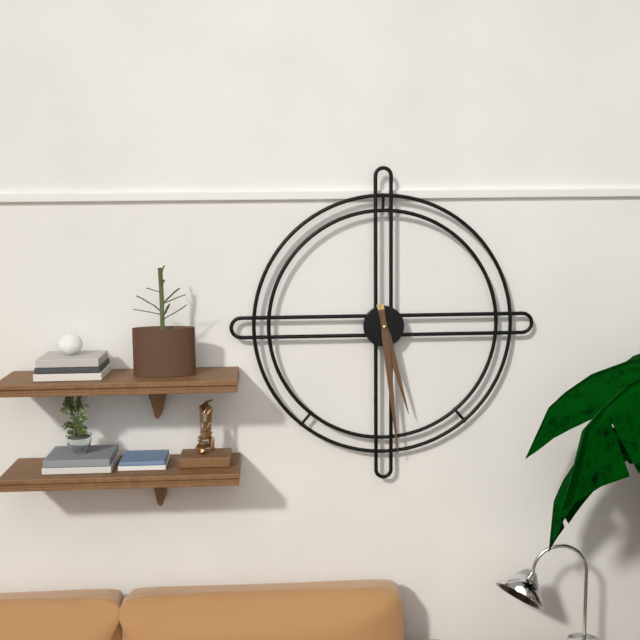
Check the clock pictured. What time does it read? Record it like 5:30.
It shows 5:29
